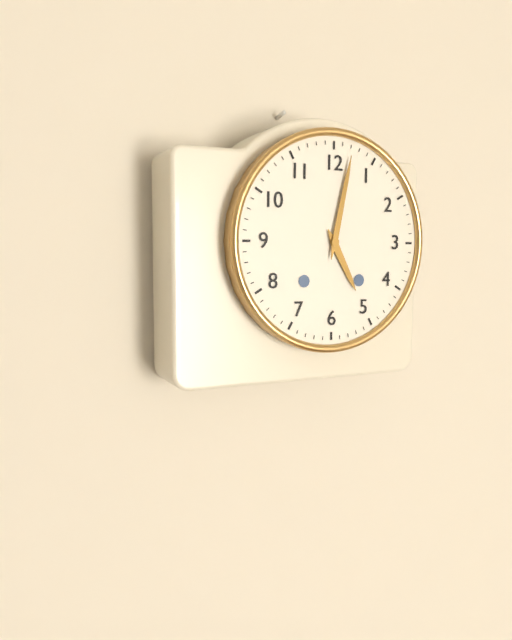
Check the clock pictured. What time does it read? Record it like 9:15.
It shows 5:02
